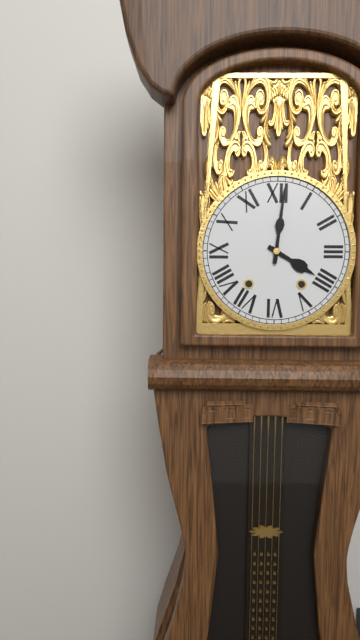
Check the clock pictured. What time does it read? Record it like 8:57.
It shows 4:01
